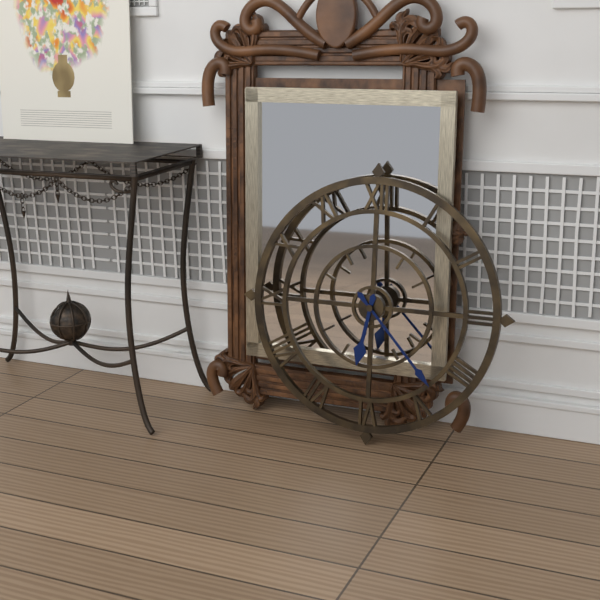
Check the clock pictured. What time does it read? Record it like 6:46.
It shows 6:23
